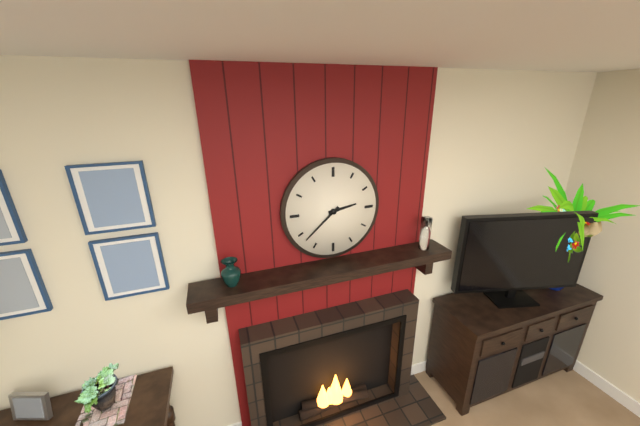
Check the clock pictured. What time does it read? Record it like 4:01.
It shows 2:38
